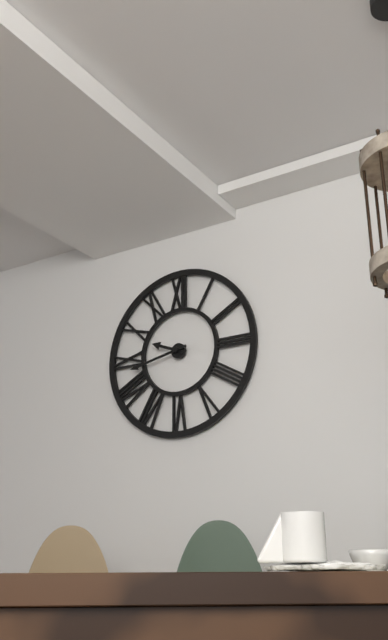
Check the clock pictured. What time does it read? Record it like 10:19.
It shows 9:43
